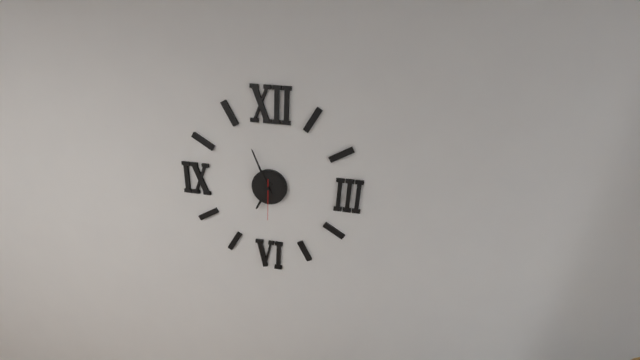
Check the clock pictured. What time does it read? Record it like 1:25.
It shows 6:56
